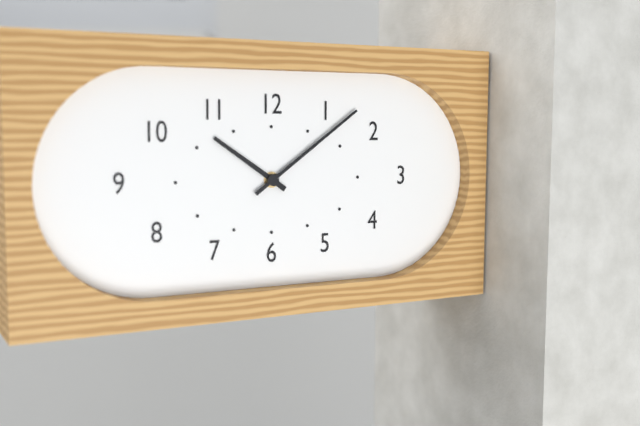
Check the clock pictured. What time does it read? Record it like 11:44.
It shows 10:09
